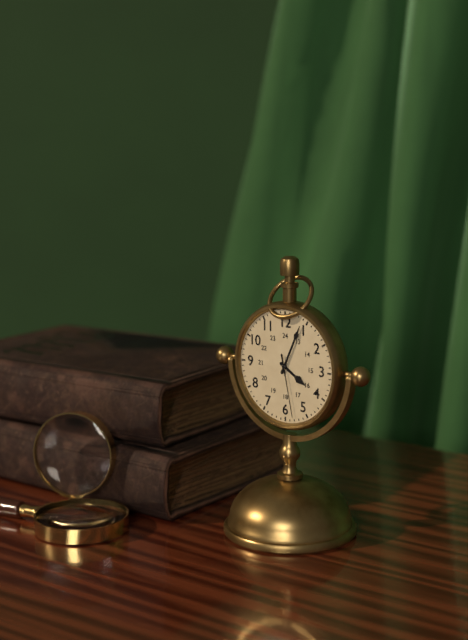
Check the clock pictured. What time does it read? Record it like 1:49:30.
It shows 4:04:28
